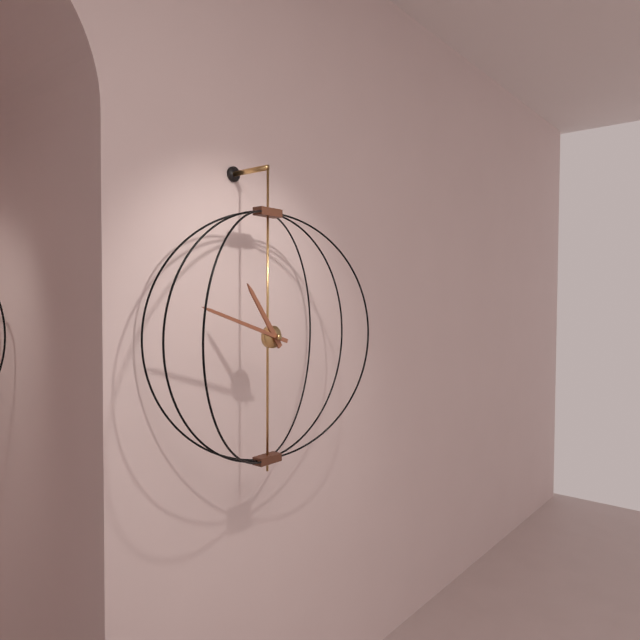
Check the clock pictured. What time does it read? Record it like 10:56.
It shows 10:48
